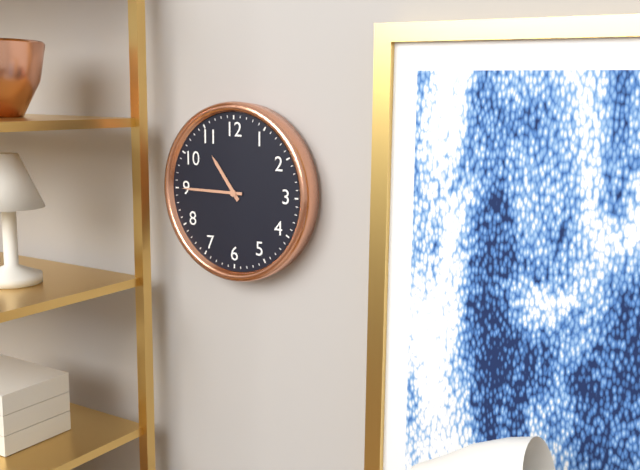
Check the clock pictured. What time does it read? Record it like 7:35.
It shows 10:45
